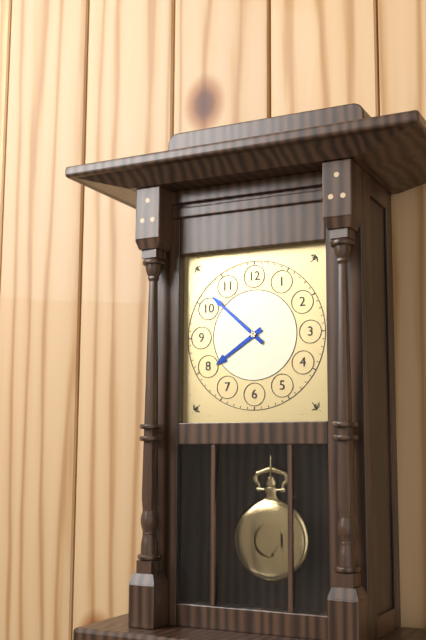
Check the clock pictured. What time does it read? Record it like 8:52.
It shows 7:52
